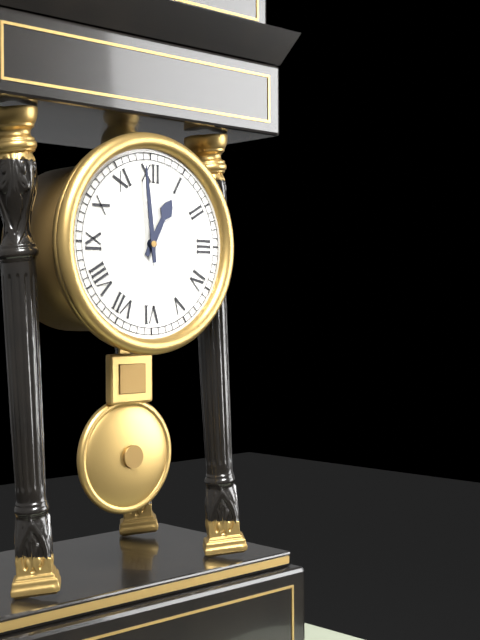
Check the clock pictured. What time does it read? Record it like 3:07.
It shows 12:59
